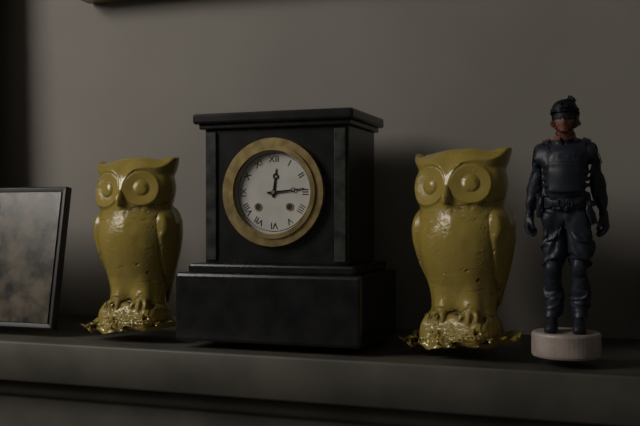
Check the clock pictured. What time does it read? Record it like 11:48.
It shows 12:14
